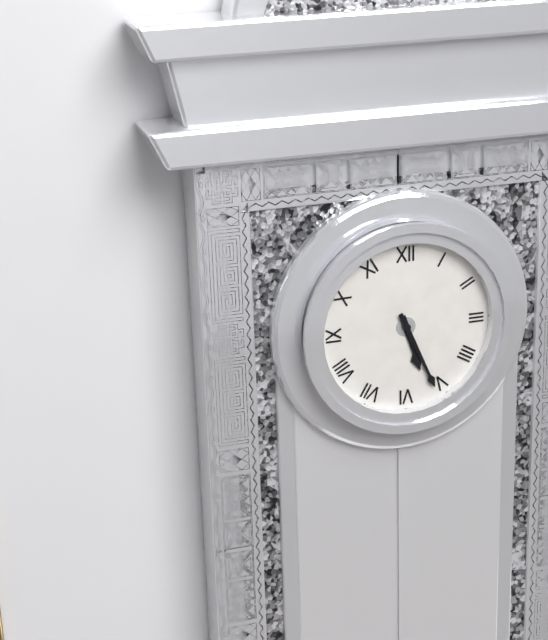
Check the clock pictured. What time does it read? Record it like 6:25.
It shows 5:26
